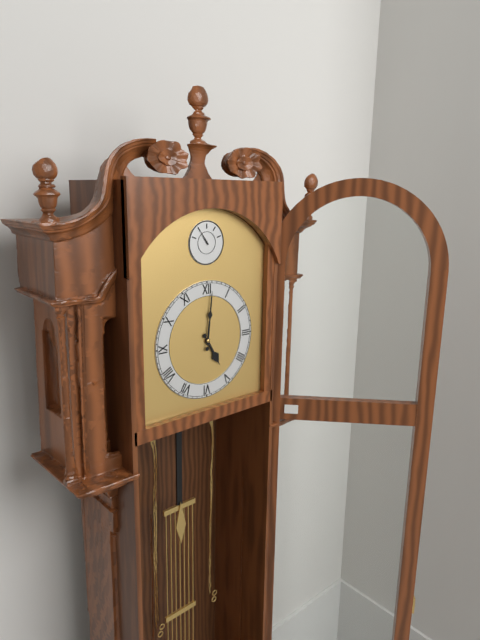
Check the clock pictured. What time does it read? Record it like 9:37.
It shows 5:01
